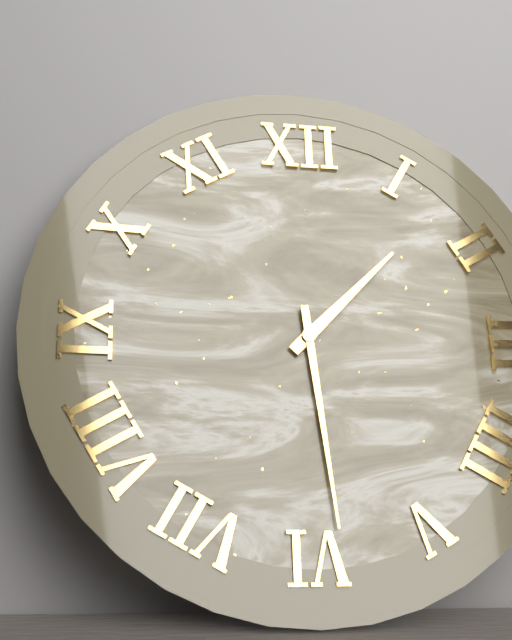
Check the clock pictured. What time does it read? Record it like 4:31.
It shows 1:29
